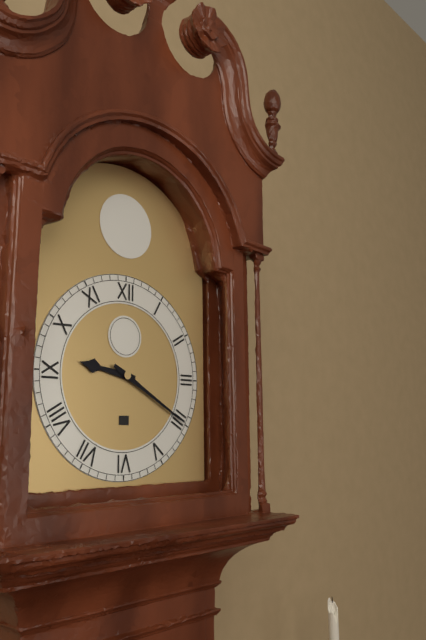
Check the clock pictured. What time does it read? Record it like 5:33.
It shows 9:20
